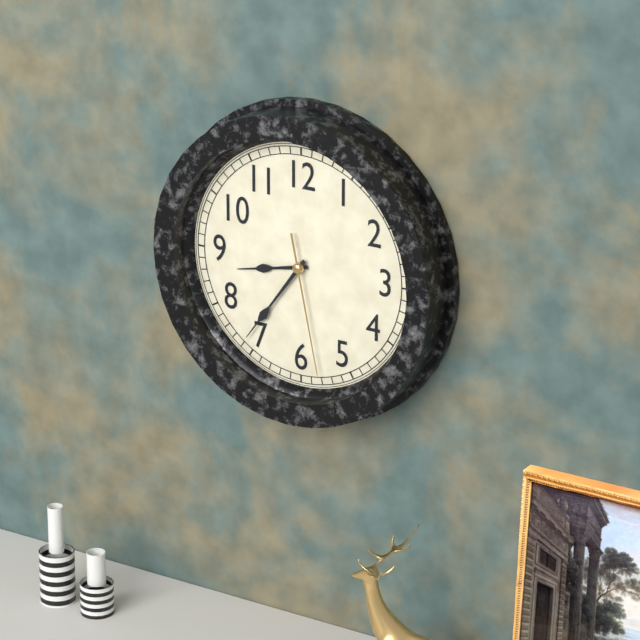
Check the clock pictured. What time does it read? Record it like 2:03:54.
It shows 8:36:28
